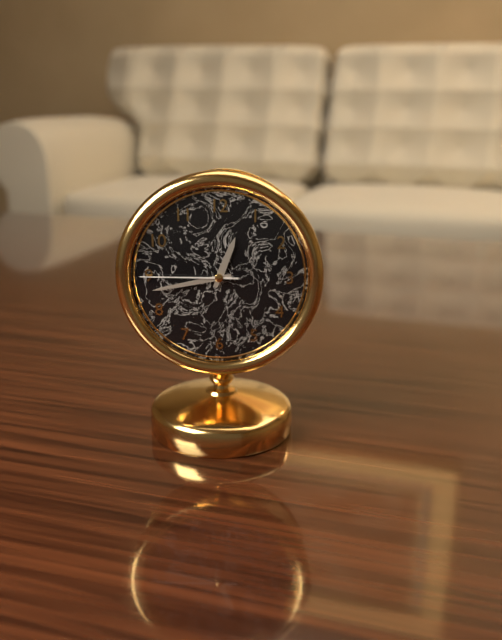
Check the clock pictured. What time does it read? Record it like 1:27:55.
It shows 12:43:45
